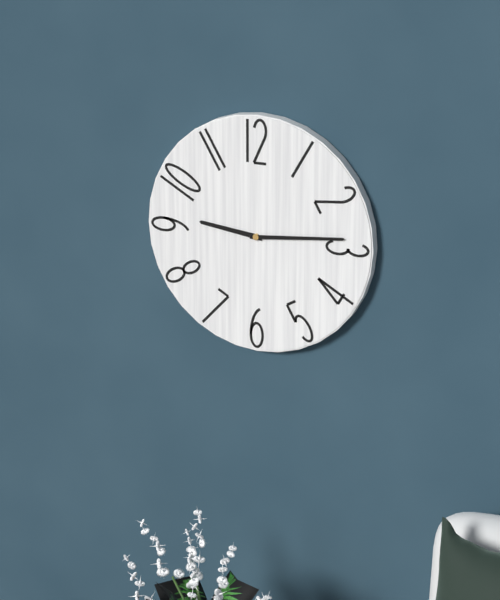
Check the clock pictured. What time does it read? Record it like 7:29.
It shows 9:14
